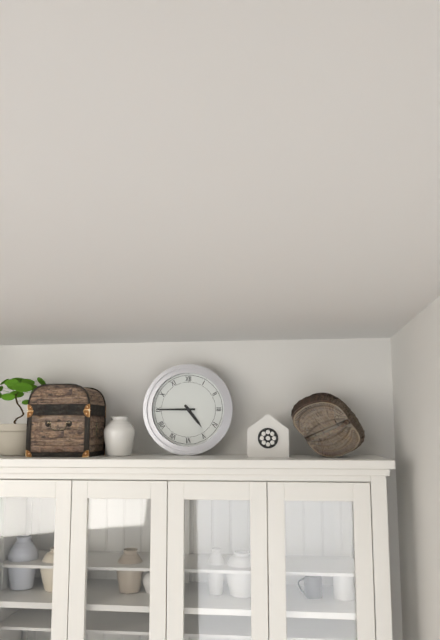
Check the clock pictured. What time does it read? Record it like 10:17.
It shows 4:45
